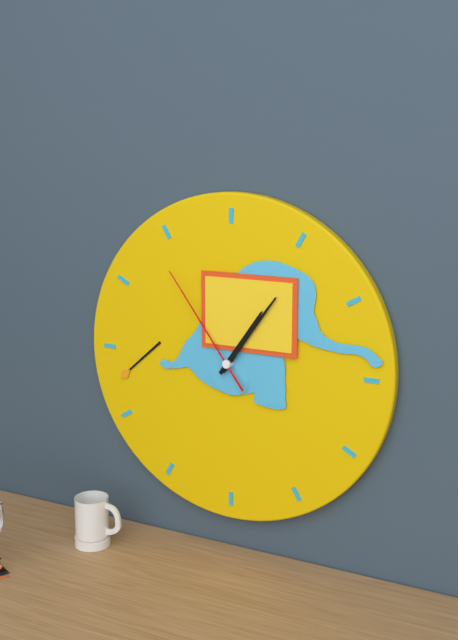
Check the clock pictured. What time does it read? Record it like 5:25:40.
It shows 1:06:54
